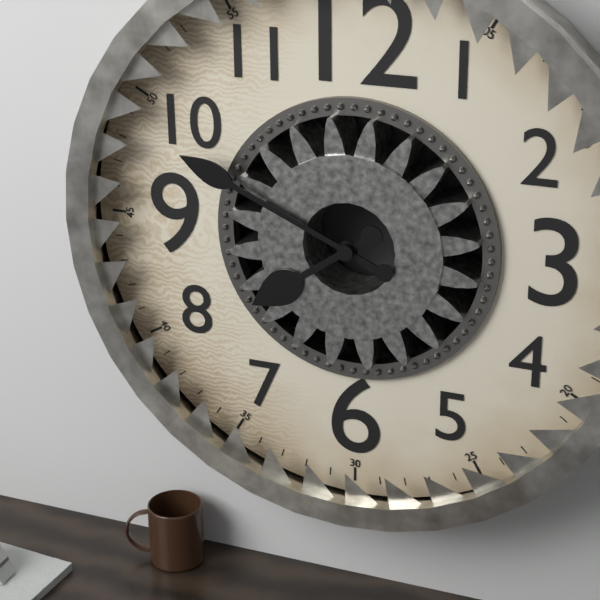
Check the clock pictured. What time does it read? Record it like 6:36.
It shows 7:49
